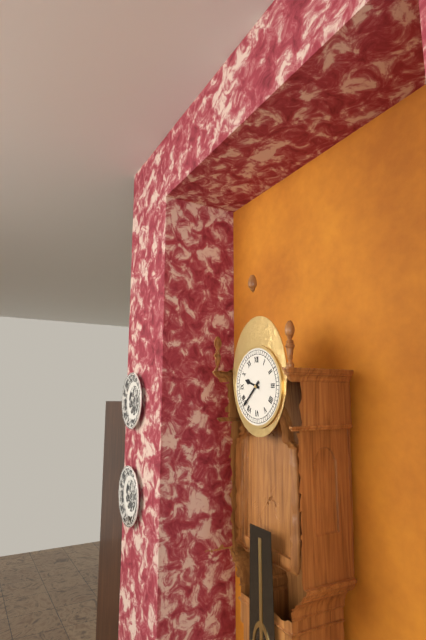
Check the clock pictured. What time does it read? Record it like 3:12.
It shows 9:38
